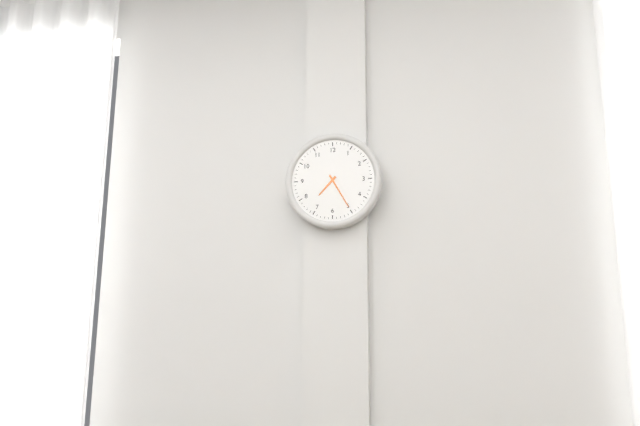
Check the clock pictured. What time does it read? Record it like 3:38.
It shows 7:25
